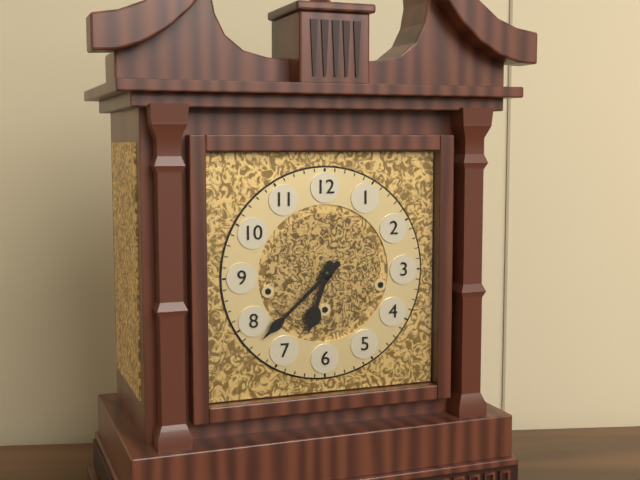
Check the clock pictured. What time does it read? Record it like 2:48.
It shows 6:38
